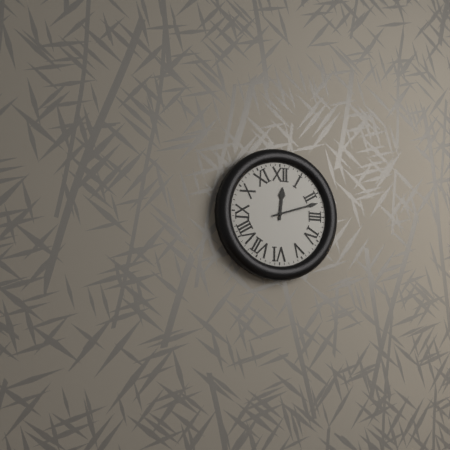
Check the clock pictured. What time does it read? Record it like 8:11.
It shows 12:12
